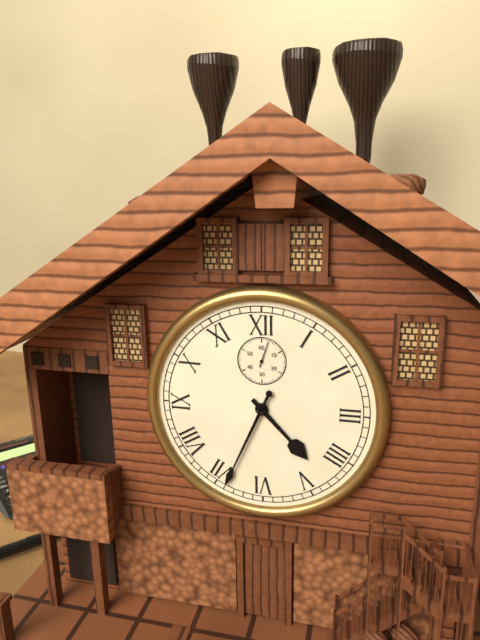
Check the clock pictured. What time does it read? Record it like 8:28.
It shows 4:34
